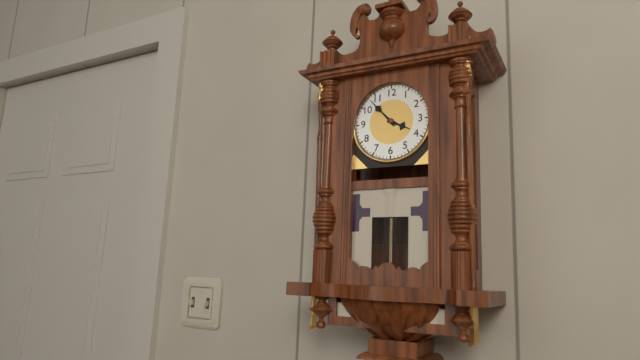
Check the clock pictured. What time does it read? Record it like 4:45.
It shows 3:53
